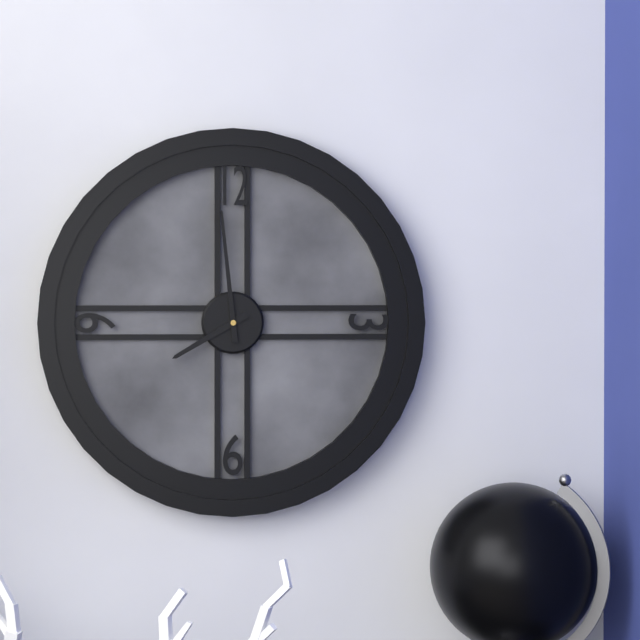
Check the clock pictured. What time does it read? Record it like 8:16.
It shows 7:59
